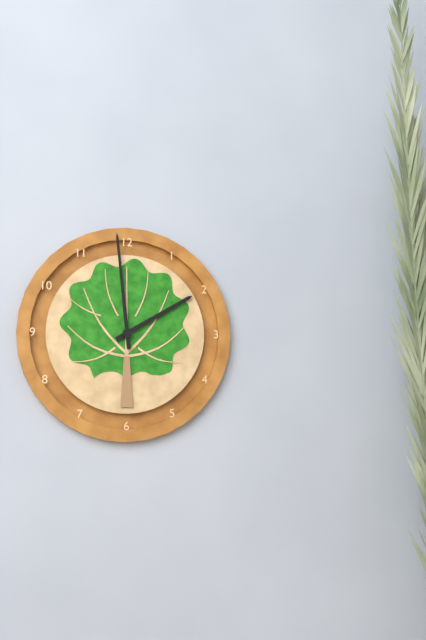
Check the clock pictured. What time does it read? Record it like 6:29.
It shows 1:59
